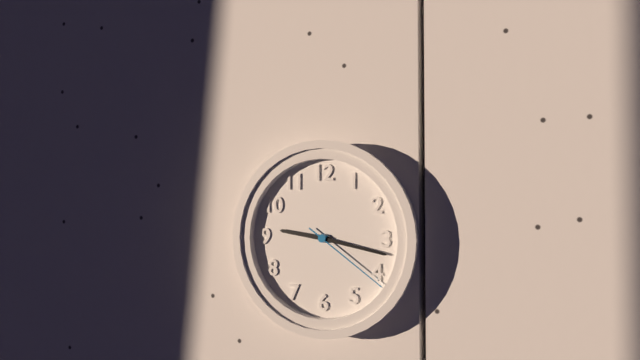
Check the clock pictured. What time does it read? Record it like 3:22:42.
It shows 9:17:21
